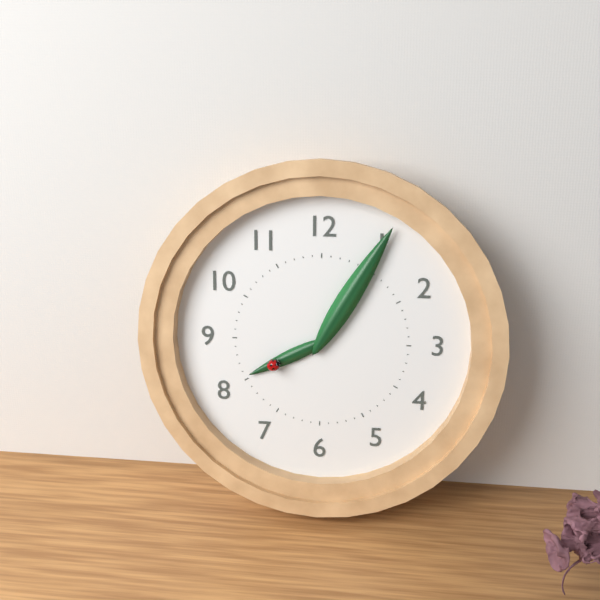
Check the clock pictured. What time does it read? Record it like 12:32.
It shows 8:05
